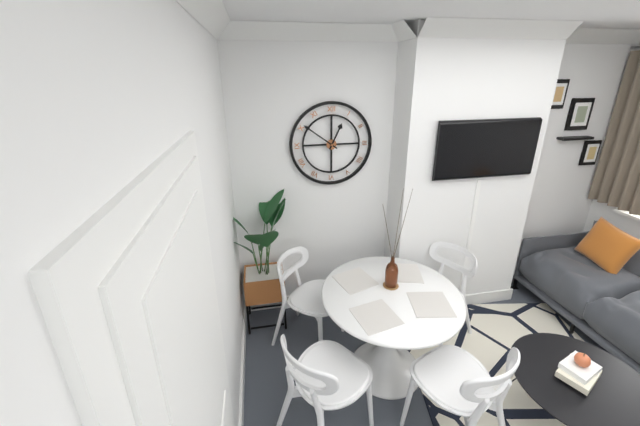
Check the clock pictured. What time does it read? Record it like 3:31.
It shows 12:51
